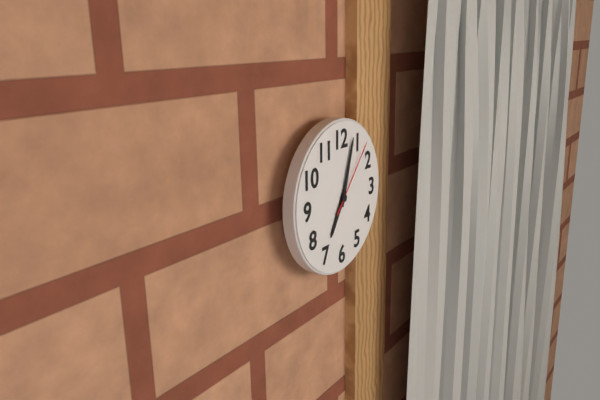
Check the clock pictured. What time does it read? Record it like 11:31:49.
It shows 7:03:07
